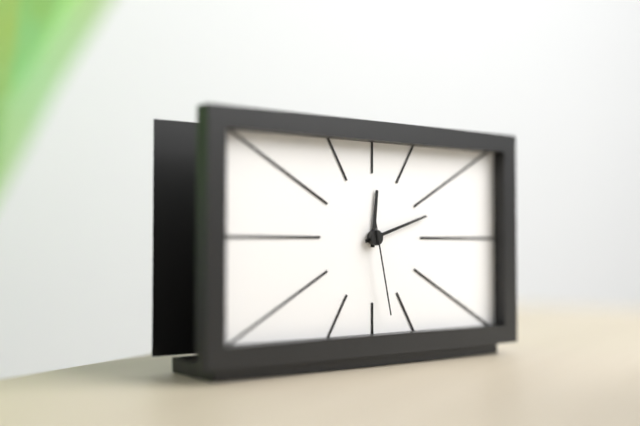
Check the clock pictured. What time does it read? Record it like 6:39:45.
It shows 12:12:28
